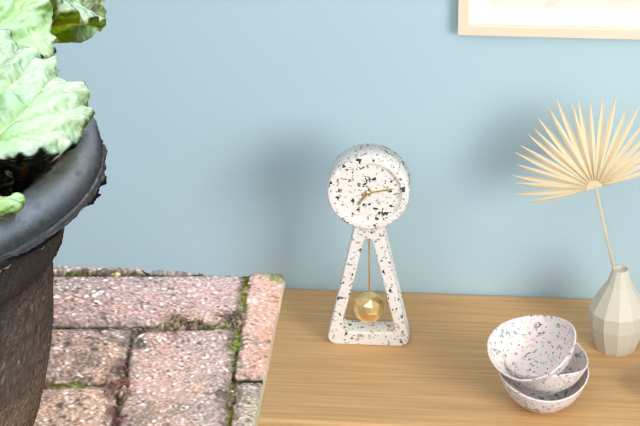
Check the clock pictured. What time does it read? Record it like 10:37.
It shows 7:13
